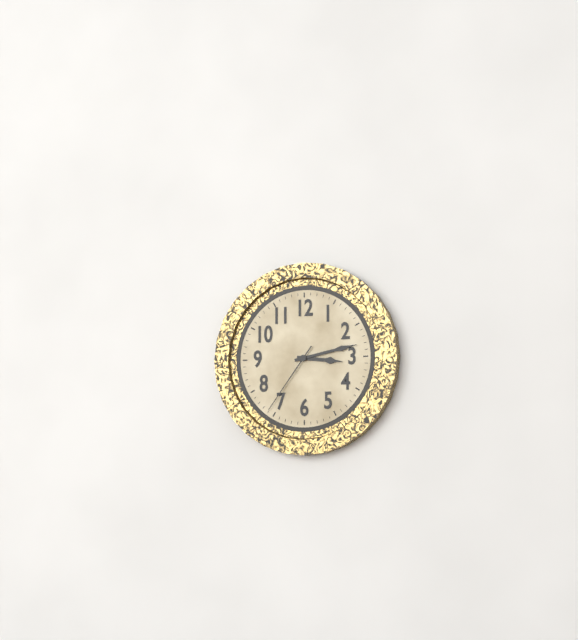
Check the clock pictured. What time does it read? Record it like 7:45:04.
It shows 3:13:36
